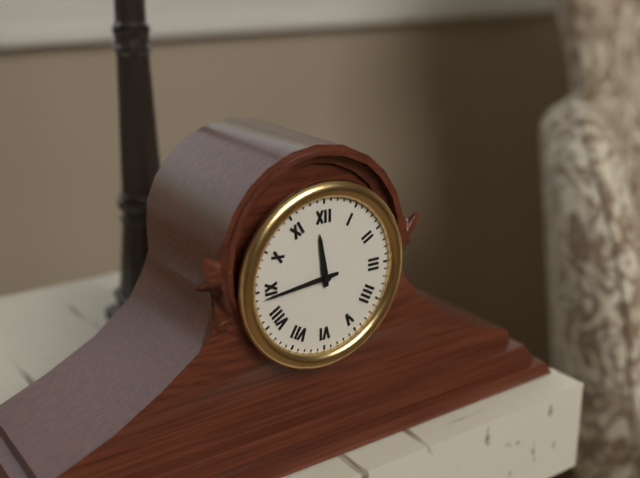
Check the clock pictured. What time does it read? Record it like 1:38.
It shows 11:44
